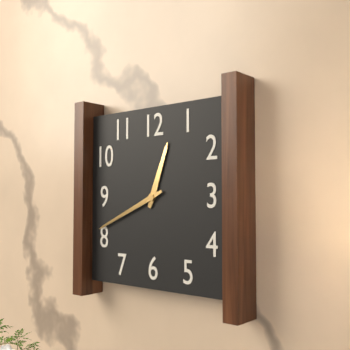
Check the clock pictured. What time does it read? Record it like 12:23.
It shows 12:41
